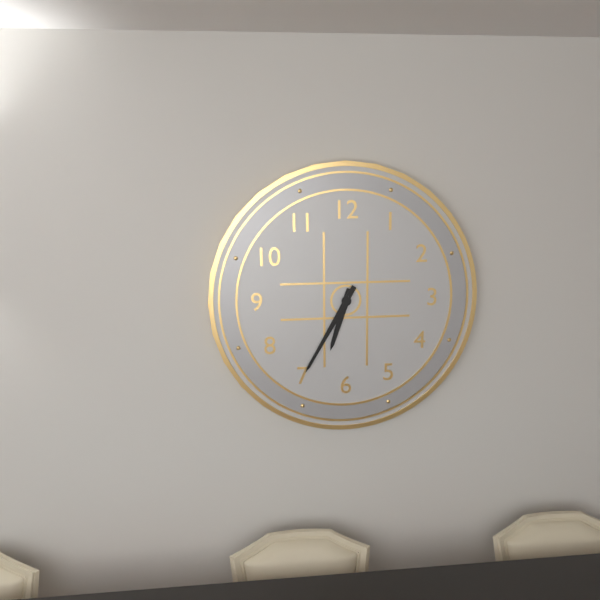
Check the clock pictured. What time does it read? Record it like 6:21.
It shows 6:35
